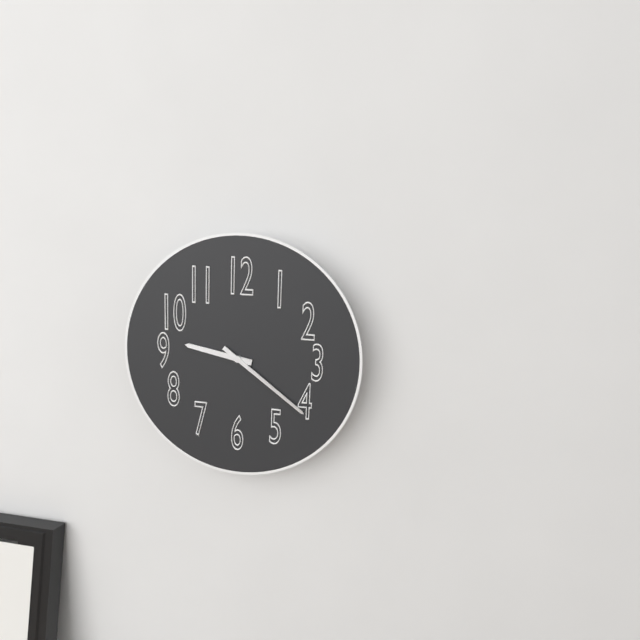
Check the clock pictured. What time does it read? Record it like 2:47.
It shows 9:21
